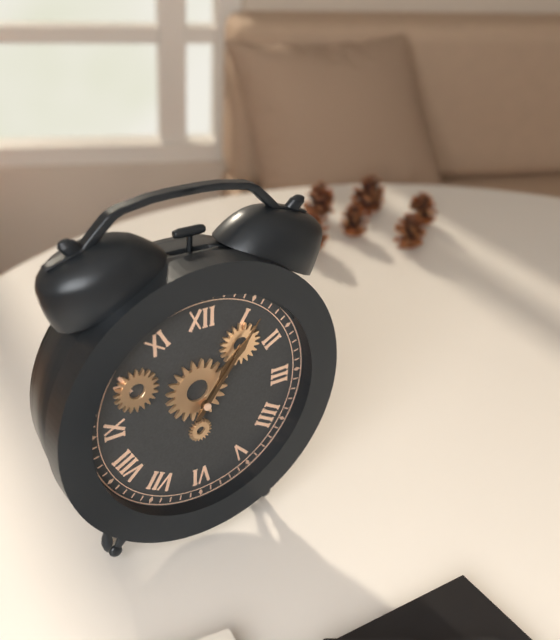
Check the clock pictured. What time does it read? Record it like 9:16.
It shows 1:06
